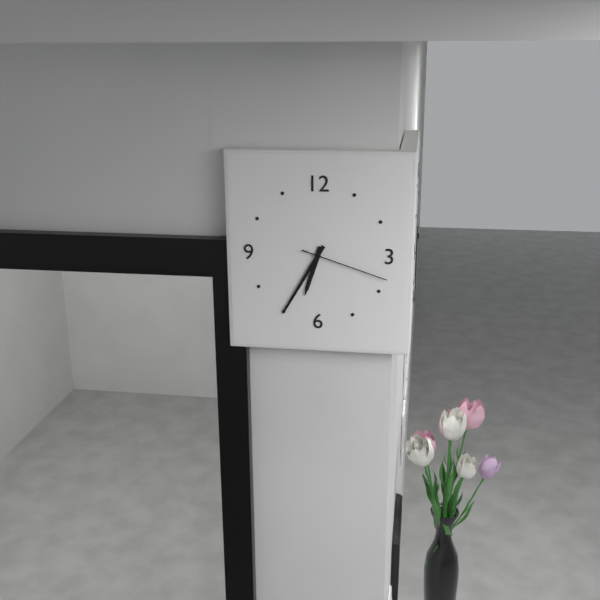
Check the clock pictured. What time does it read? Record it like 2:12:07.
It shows 6:35:18
